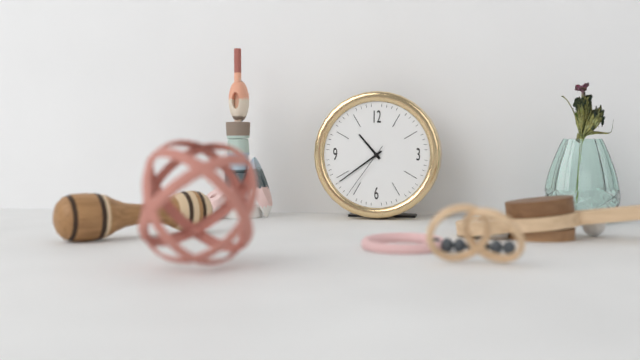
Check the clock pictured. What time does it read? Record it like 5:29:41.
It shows 10:39:36
